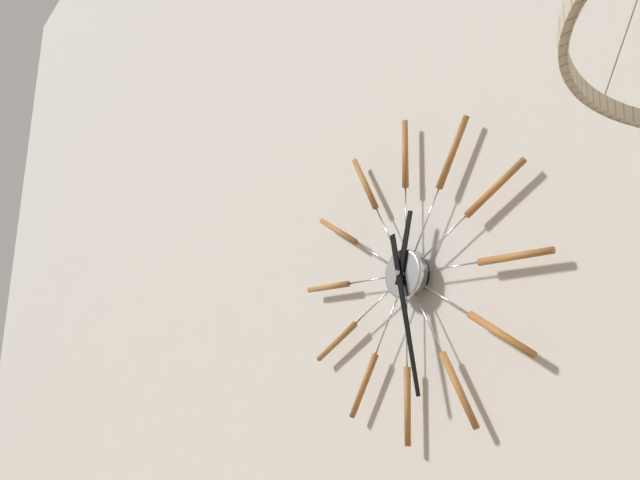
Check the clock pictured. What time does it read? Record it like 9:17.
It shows 12:28
